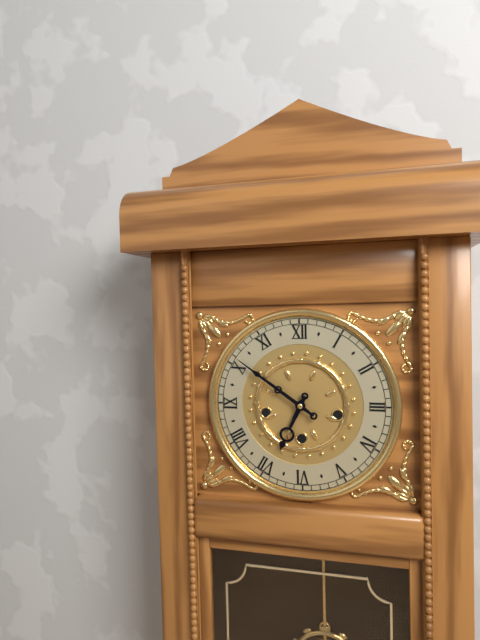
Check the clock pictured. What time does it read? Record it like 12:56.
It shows 6:51
